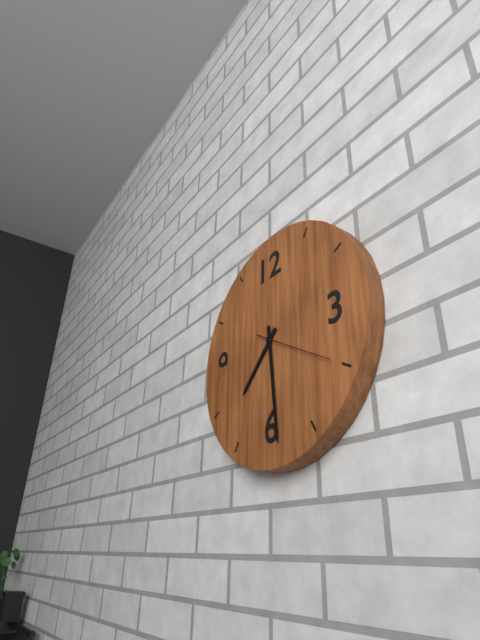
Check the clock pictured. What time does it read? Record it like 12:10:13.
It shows 7:29:20
